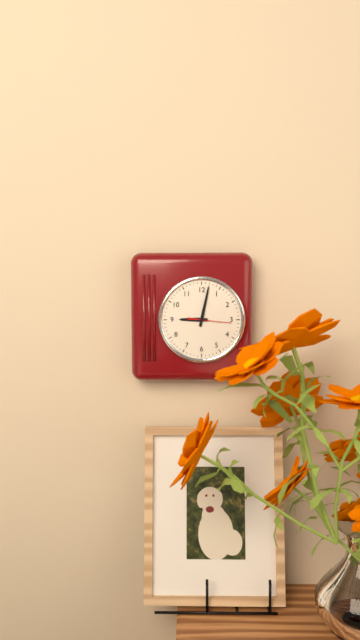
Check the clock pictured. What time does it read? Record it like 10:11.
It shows 9:02
